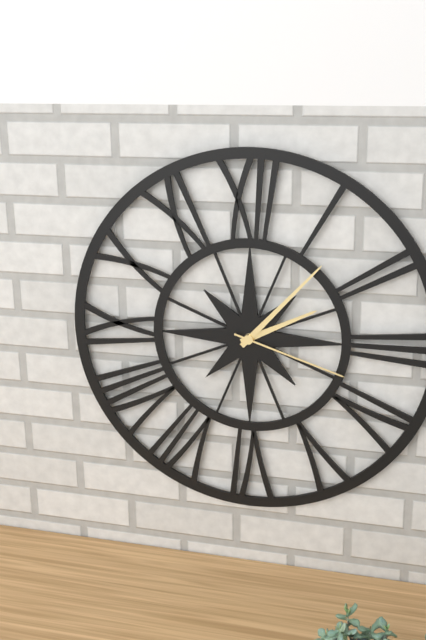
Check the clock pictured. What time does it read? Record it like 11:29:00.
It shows 2:07:18
